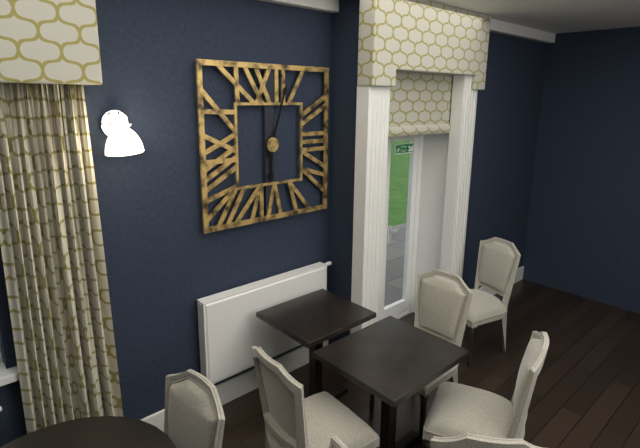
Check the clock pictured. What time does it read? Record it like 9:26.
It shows 6:03
